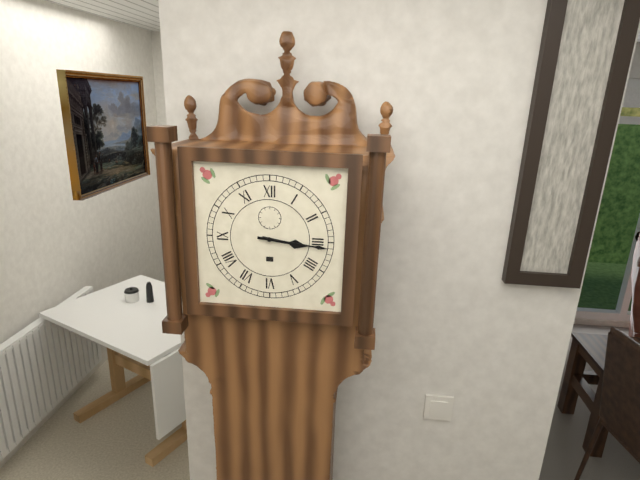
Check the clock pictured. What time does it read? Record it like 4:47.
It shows 3:16
